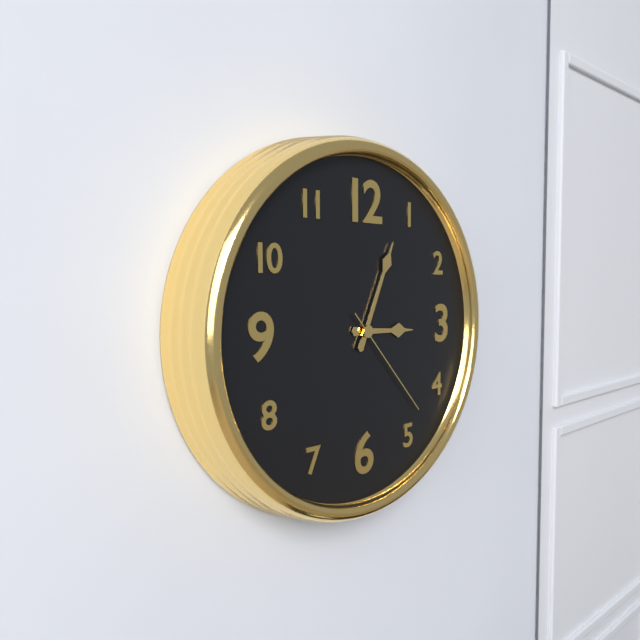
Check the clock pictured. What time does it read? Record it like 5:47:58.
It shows 3:04:23
